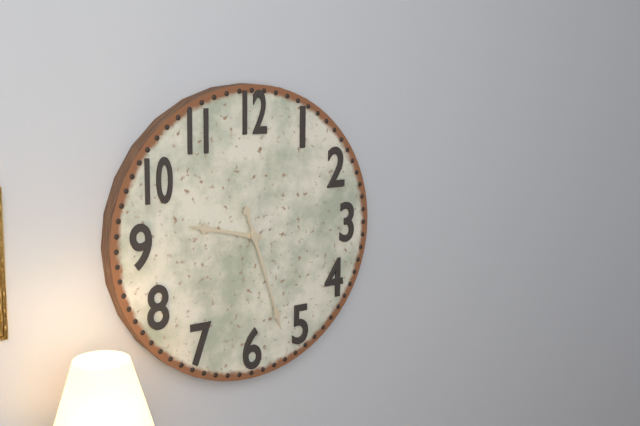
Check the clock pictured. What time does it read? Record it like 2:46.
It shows 9:27
